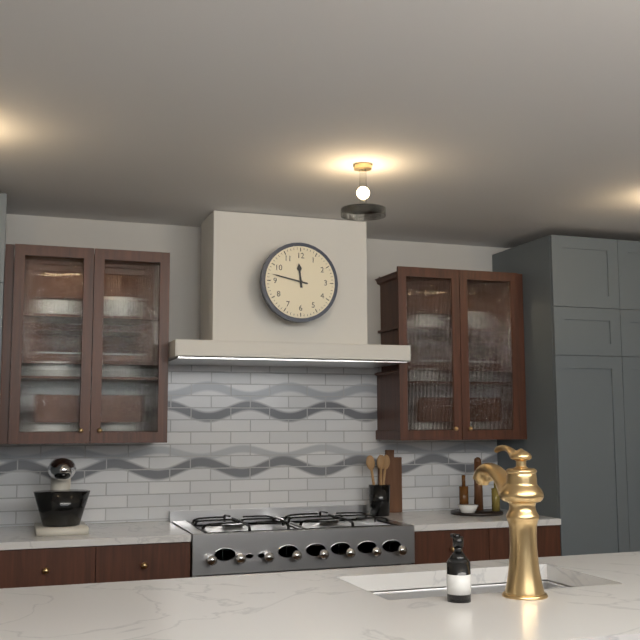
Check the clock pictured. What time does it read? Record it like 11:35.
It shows 11:47
